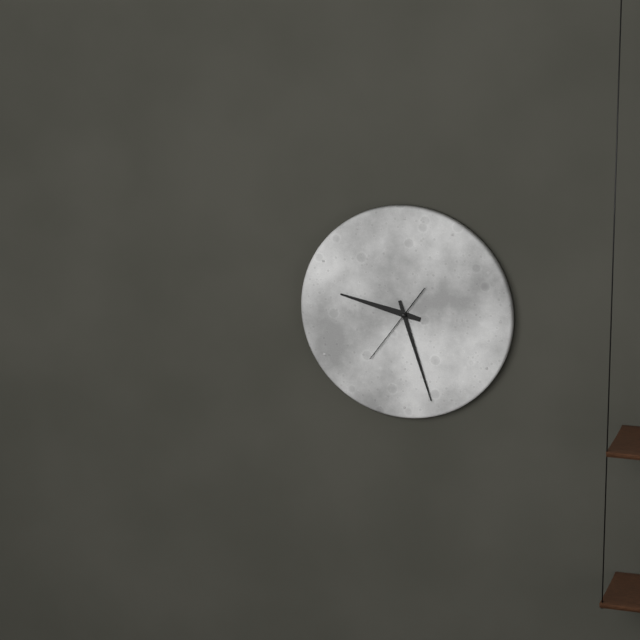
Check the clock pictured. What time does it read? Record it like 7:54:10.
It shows 9:27:36
